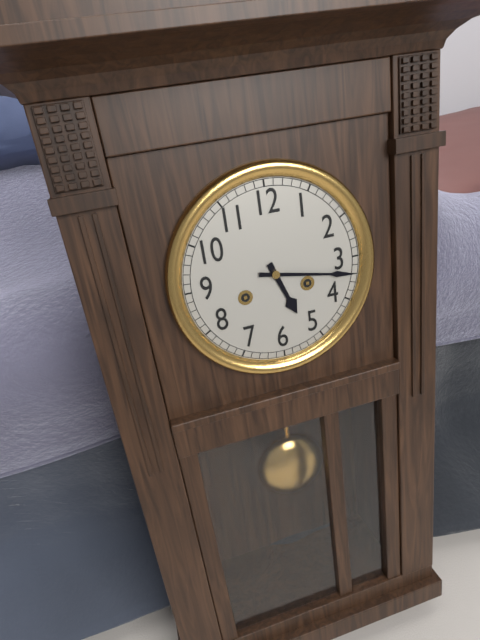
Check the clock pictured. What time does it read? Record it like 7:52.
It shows 5:17
